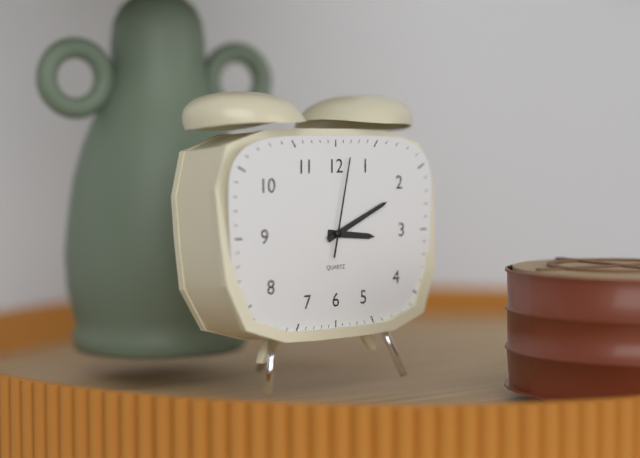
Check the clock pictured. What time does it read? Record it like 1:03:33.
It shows 3:11:02
